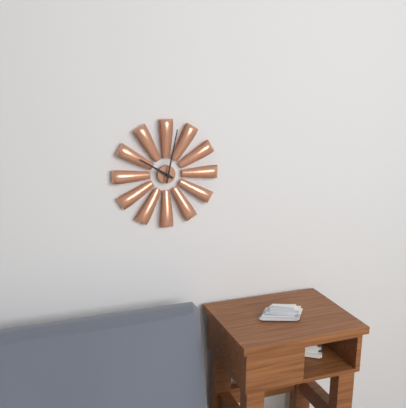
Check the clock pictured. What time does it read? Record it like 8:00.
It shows 10:02
